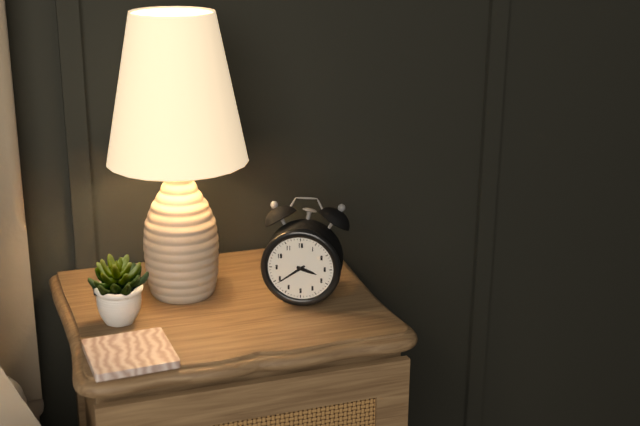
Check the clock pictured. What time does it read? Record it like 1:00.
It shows 3:39
